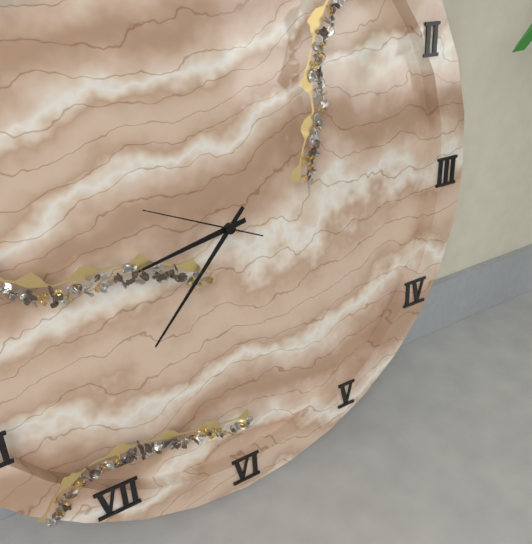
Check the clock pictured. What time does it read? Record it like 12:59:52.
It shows 8:37:49
